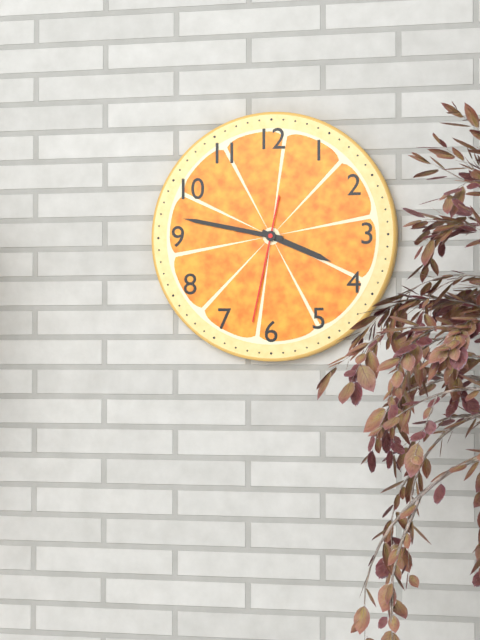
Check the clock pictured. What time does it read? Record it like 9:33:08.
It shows 3:47:32
